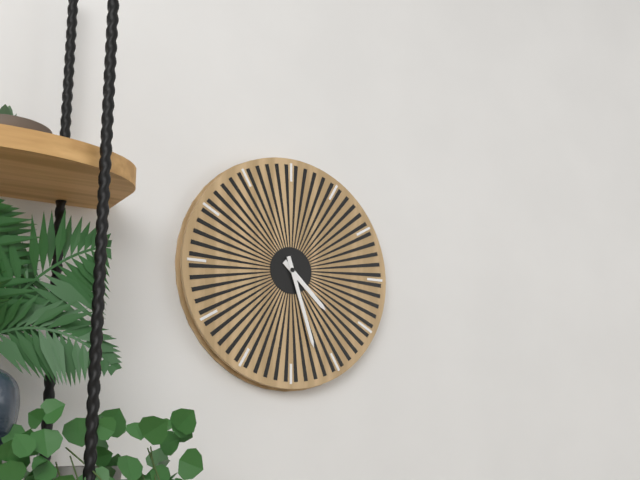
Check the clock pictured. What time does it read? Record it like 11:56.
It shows 4:27
